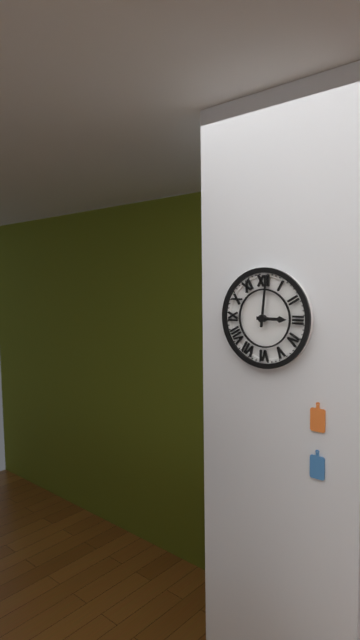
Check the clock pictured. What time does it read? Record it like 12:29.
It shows 3:01
